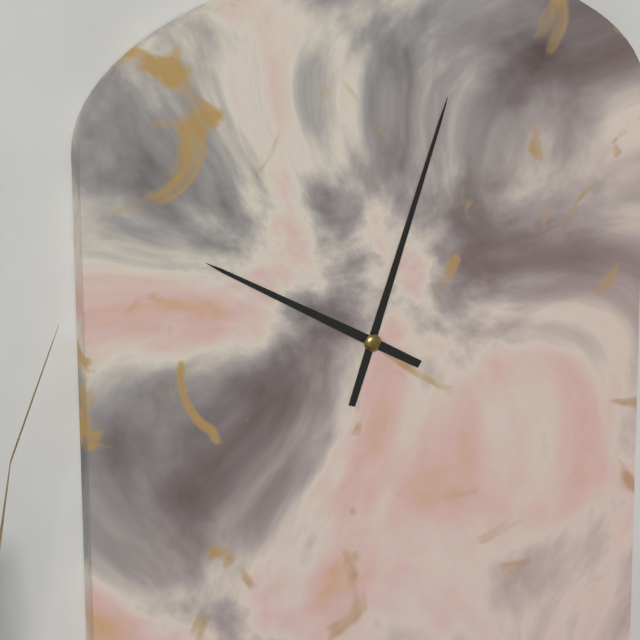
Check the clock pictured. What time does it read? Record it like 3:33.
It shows 10:03
